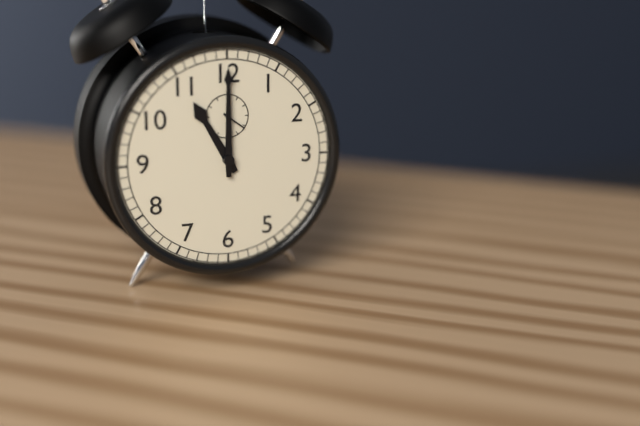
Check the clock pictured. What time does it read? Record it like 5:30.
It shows 11:00
